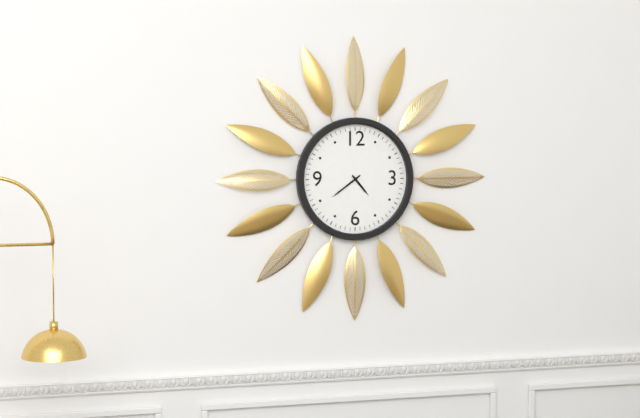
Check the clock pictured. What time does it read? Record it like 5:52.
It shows 4:39
